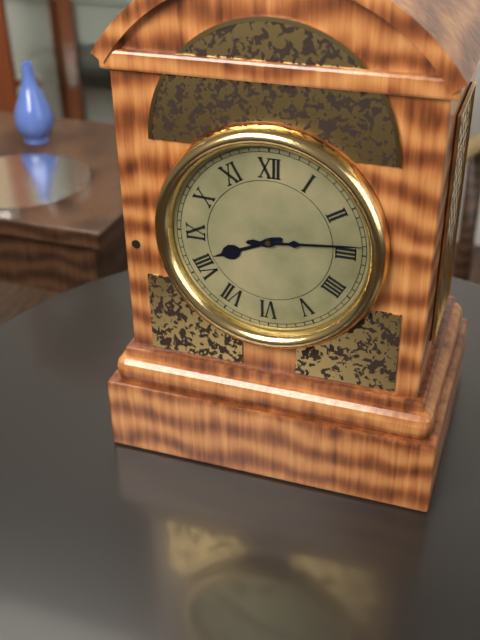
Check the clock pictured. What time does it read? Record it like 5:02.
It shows 8:14
